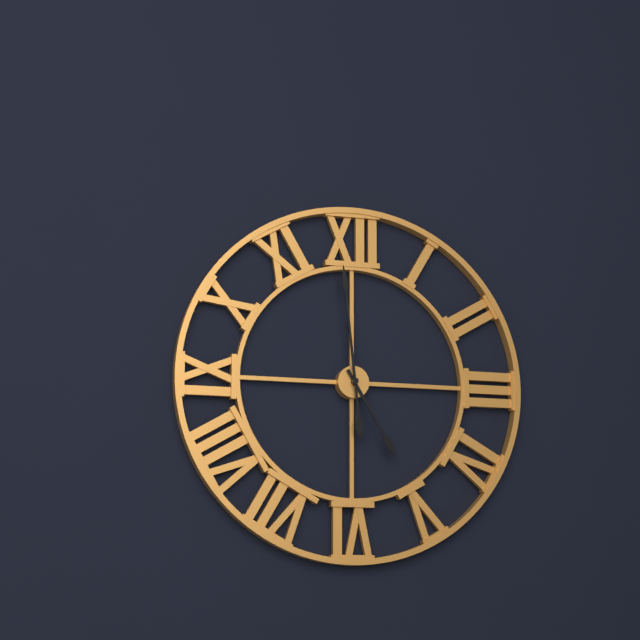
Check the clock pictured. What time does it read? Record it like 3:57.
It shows 4:59
